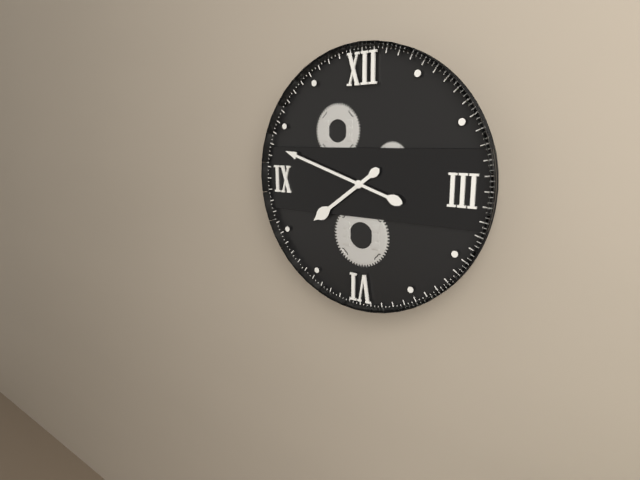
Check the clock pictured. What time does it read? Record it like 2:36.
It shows 7:48
